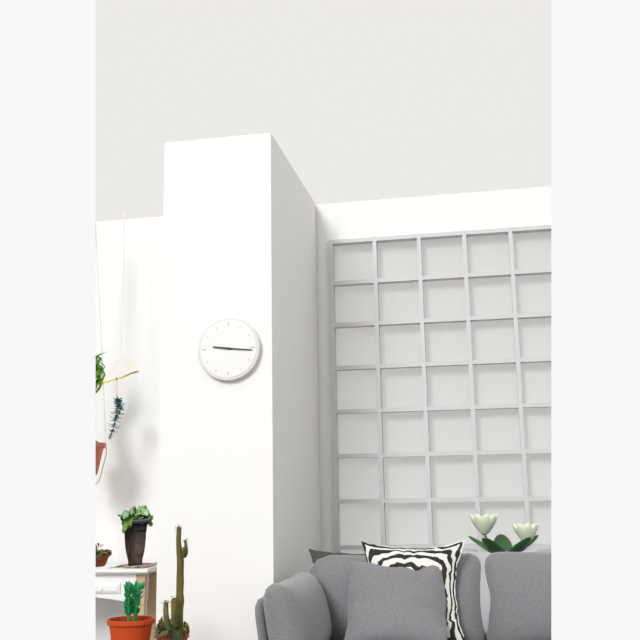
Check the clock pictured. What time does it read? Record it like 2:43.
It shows 9:16
